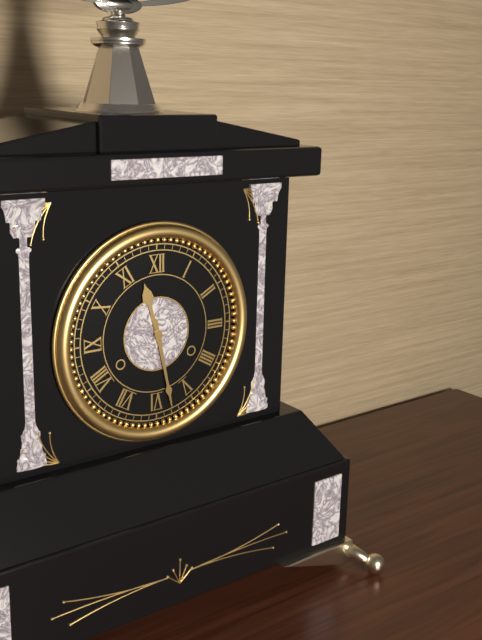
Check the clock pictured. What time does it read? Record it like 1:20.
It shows 11:28
